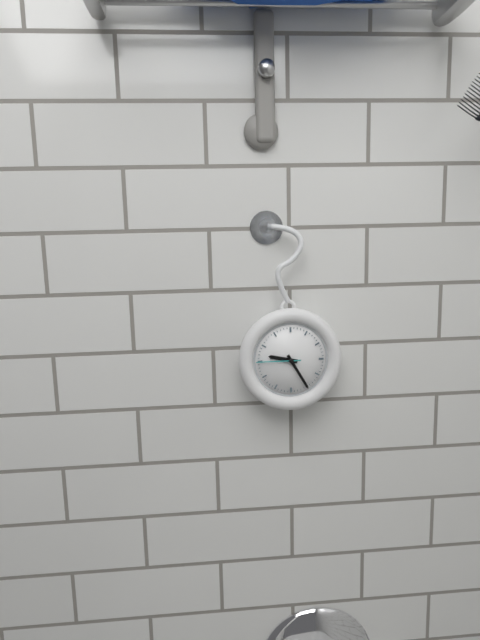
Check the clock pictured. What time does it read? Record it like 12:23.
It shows 9:25
